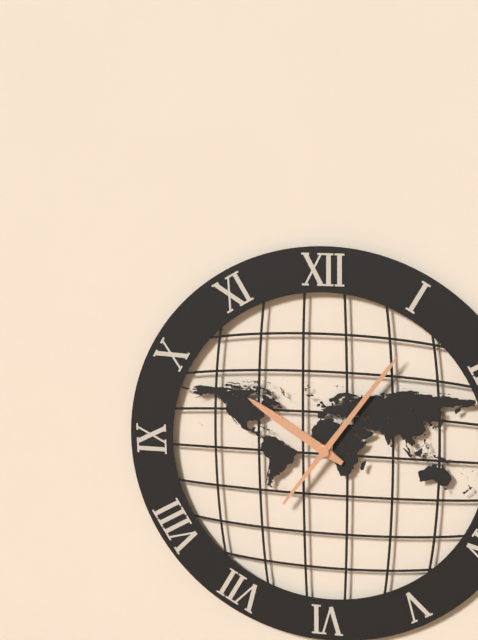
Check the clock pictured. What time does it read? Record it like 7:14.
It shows 10:06
